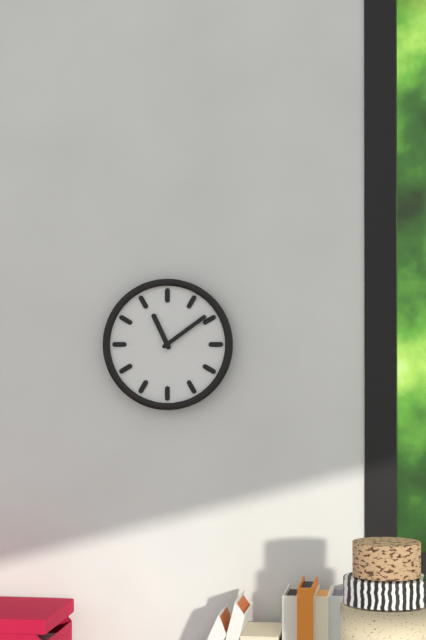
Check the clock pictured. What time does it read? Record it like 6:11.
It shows 11:09
